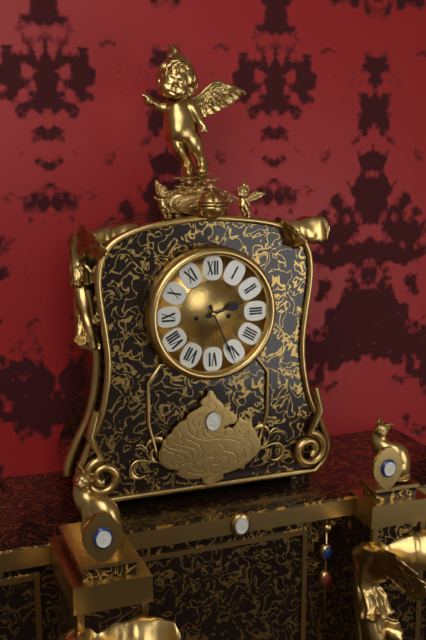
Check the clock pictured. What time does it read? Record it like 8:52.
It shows 2:26
